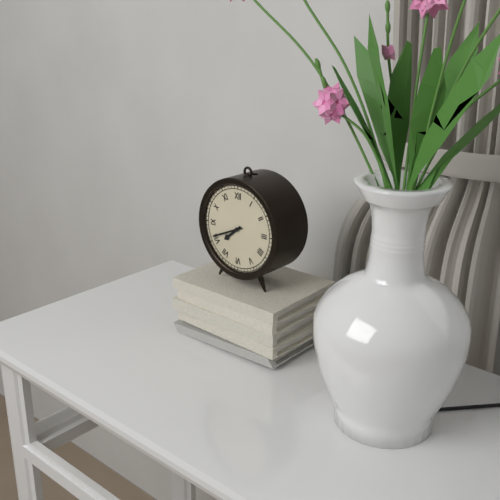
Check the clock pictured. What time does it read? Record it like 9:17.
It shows 7:41
